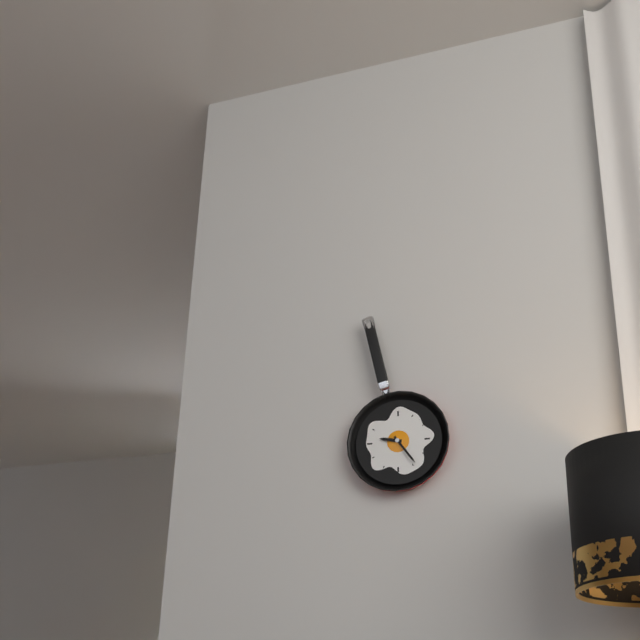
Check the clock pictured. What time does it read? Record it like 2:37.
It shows 9:24
